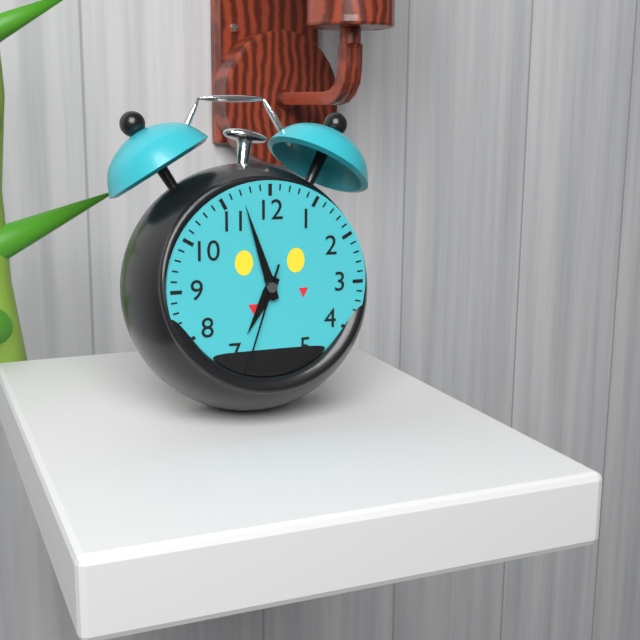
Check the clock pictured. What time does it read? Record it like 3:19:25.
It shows 6:57:33
